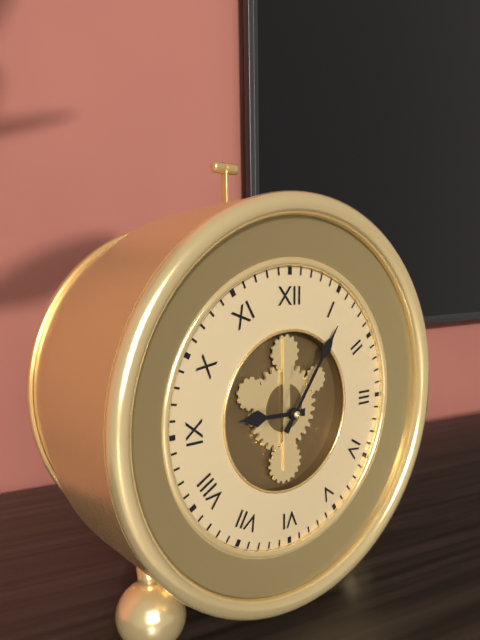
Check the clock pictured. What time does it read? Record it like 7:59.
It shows 9:06
